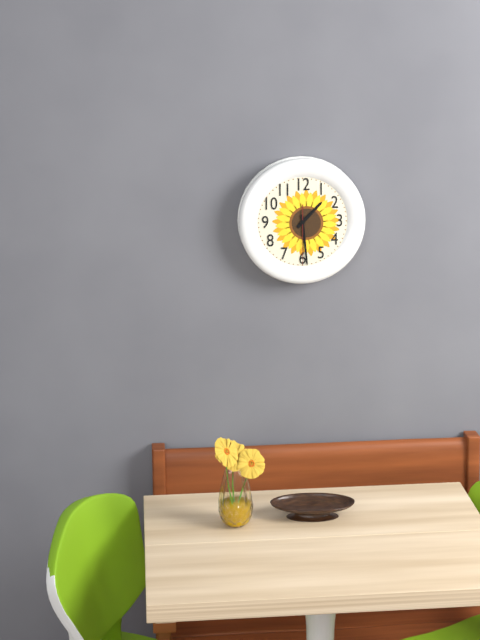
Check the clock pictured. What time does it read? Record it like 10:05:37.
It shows 1:29:30
